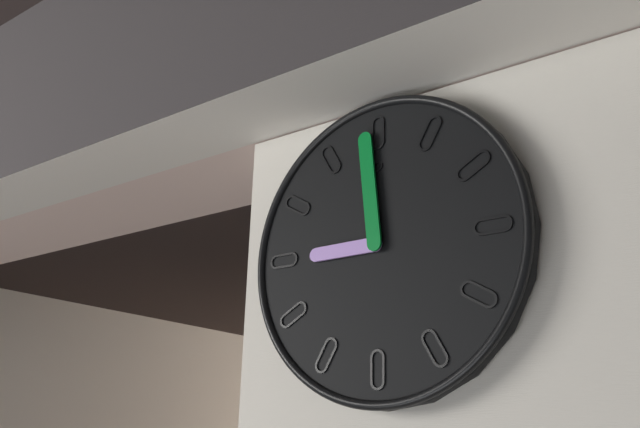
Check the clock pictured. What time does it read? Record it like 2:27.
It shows 8:59
